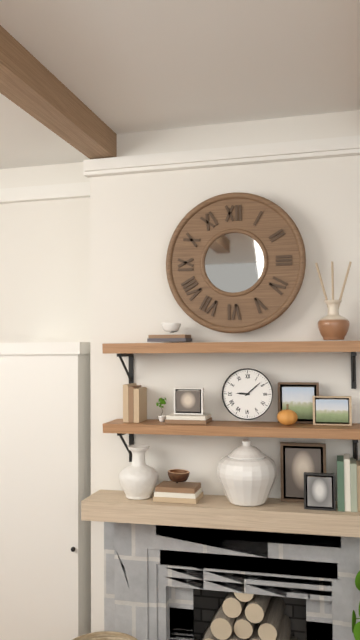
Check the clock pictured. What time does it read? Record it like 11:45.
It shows 9:08
